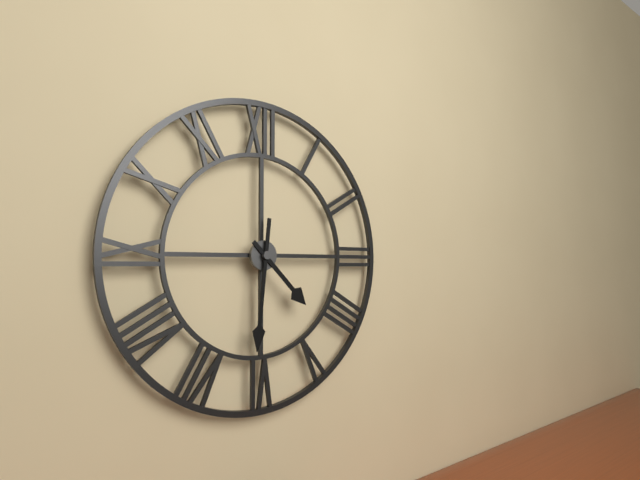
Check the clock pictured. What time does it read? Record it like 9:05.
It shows 4:31
